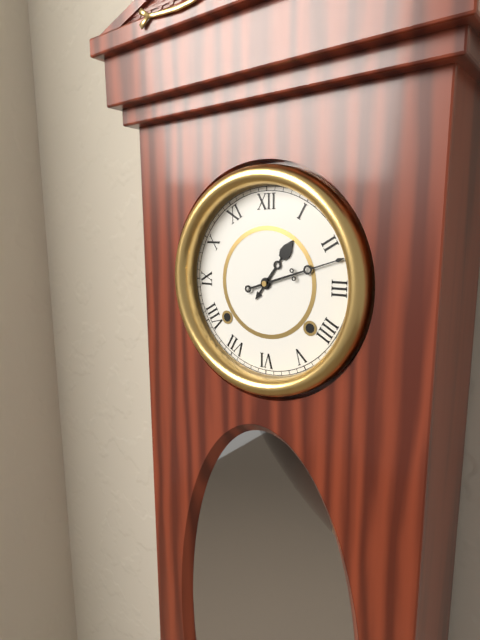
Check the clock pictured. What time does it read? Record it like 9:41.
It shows 1:12
